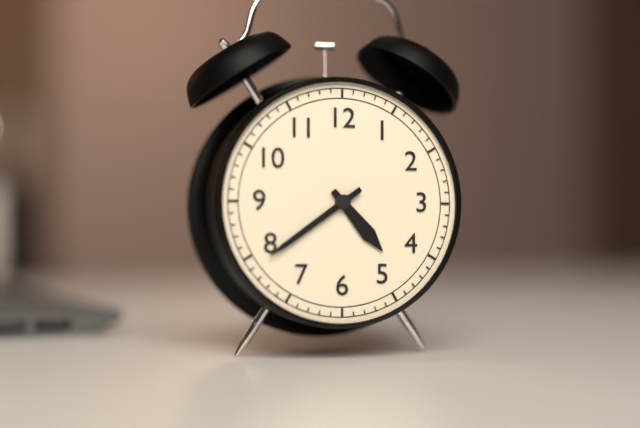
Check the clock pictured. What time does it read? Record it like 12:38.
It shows 4:39
